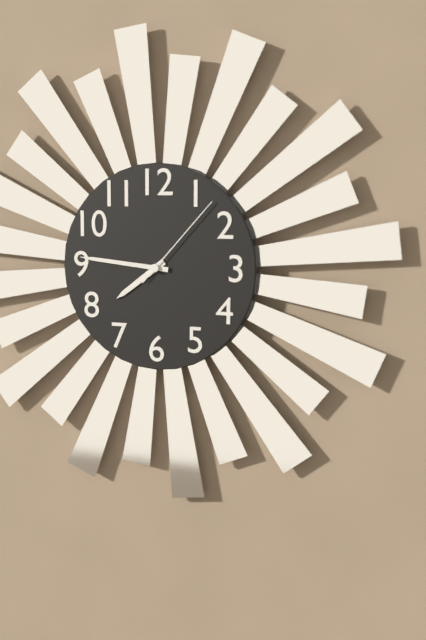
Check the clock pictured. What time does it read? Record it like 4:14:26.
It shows 7:46:07
